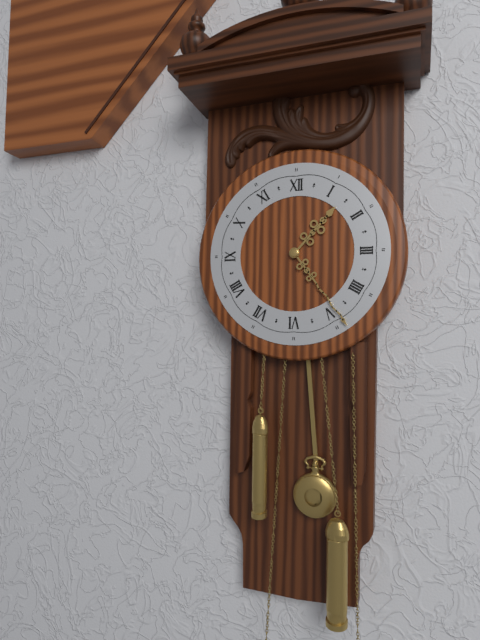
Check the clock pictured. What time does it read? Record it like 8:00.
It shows 1:24
